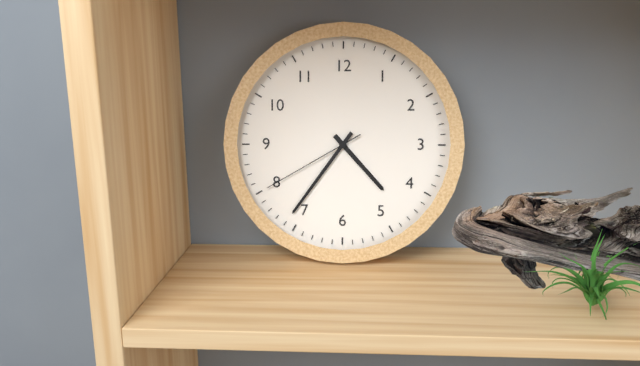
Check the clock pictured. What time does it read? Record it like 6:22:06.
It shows 4:36:40
